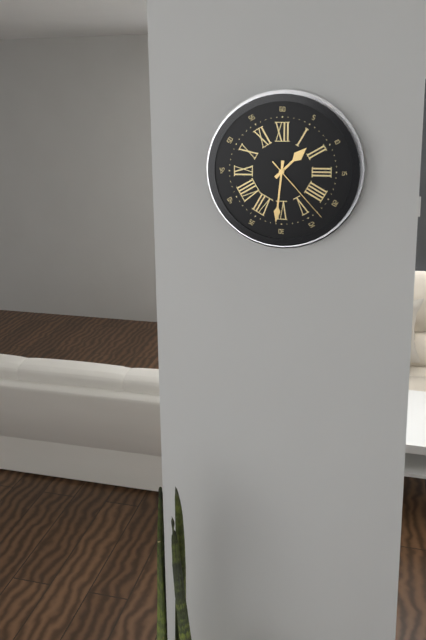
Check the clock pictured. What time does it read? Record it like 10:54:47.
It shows 1:31:23
